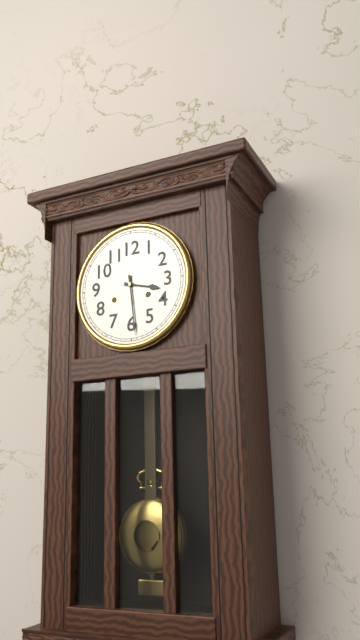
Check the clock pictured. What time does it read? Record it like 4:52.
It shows 3:29
